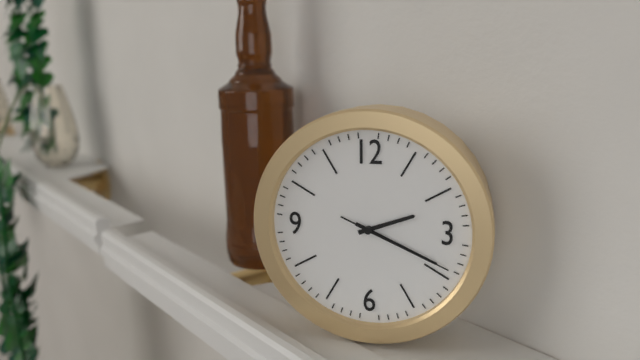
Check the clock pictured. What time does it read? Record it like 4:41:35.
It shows 2:19:19
